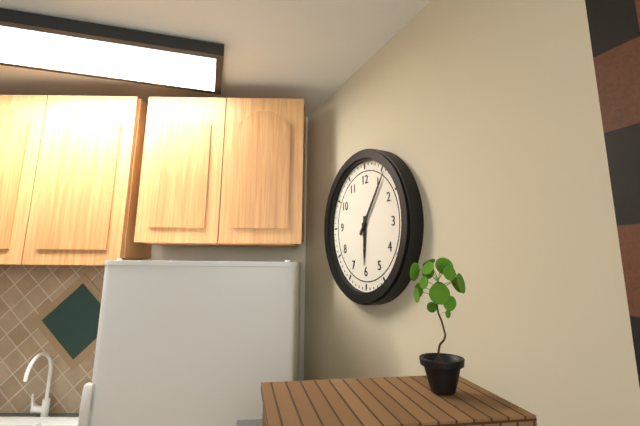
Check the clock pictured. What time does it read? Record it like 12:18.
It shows 6:06
